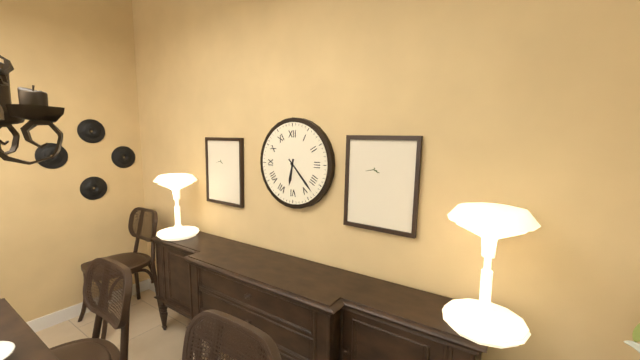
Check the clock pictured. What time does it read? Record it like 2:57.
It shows 6:23
